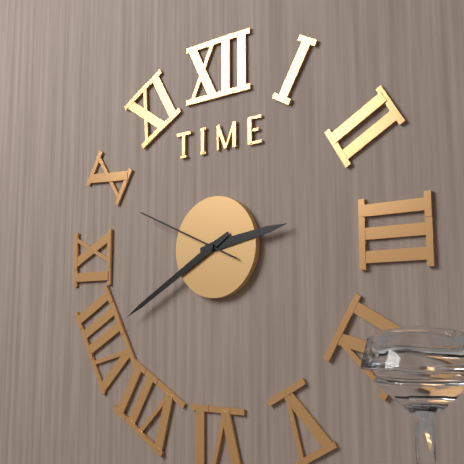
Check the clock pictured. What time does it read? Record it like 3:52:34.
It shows 2:40:49
